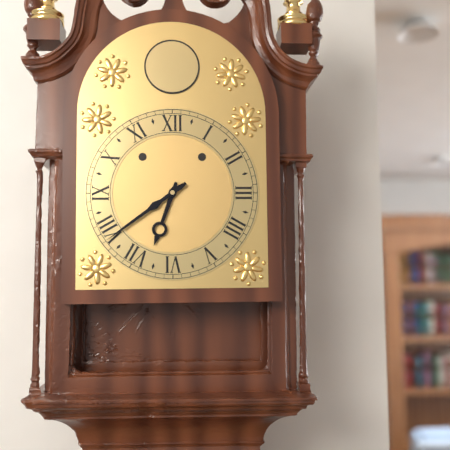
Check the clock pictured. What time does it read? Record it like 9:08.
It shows 6:39
